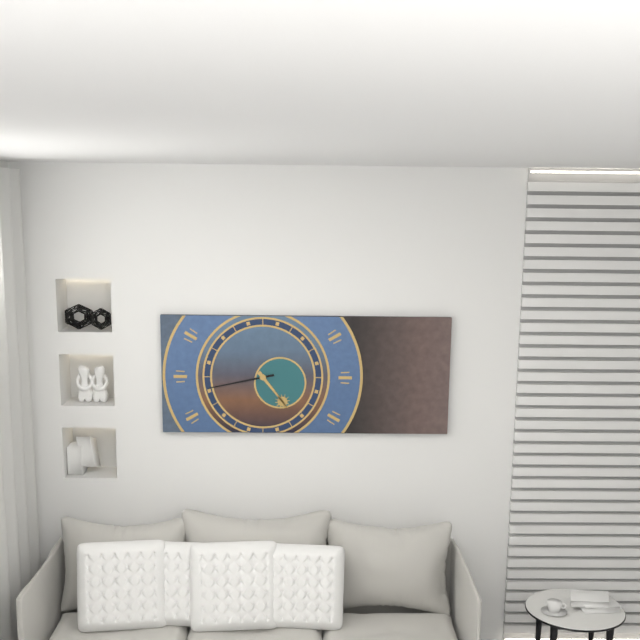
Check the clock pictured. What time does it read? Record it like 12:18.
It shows 4:43
